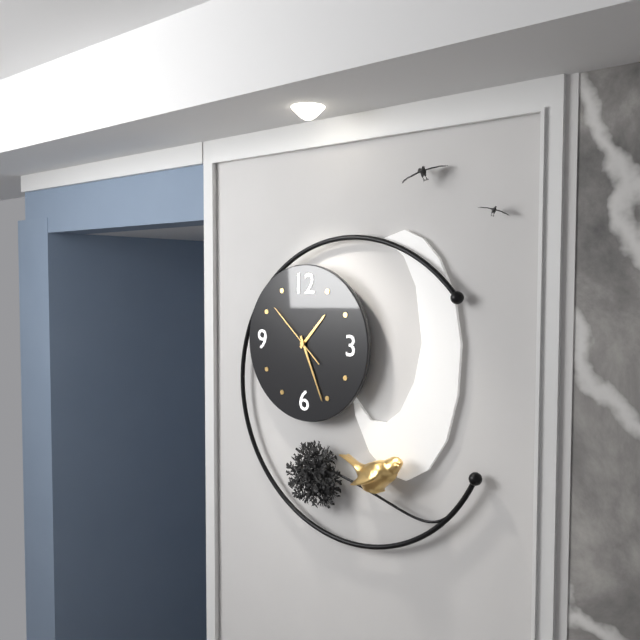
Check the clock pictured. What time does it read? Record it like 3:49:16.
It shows 1:26:52
